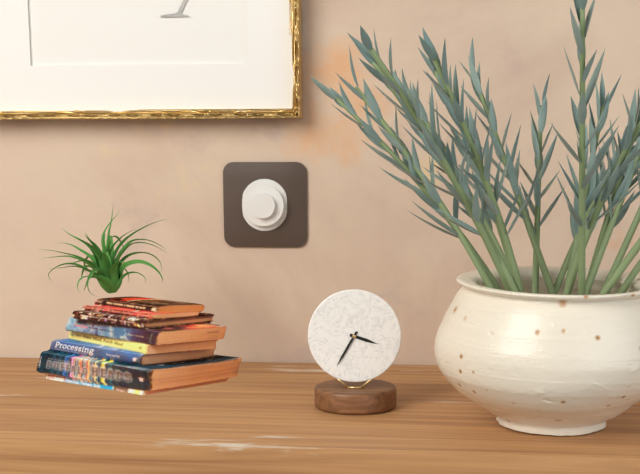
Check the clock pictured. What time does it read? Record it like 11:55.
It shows 3:35
